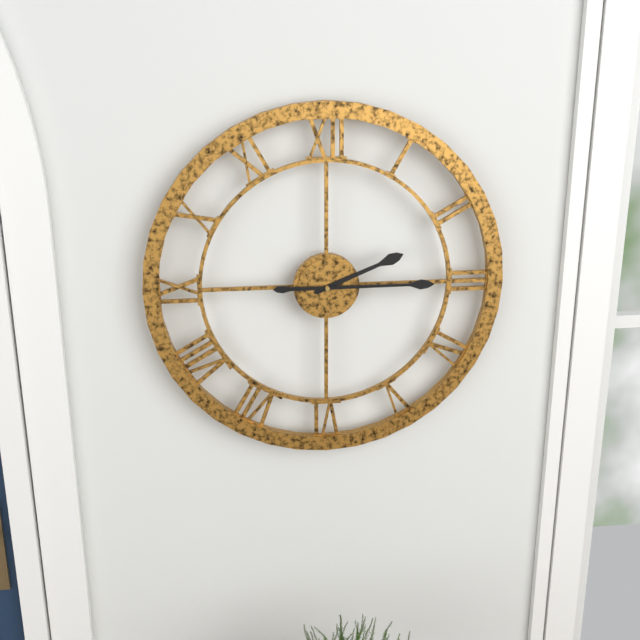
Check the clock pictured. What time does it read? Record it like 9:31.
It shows 2:15
